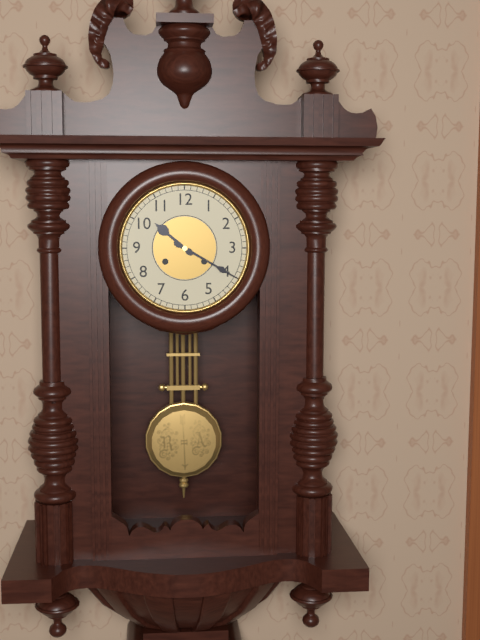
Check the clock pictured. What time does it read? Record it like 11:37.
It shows 10:20
